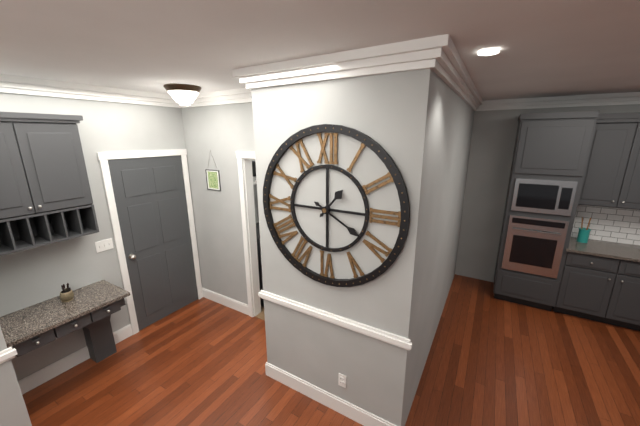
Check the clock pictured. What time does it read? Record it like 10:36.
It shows 1:20
